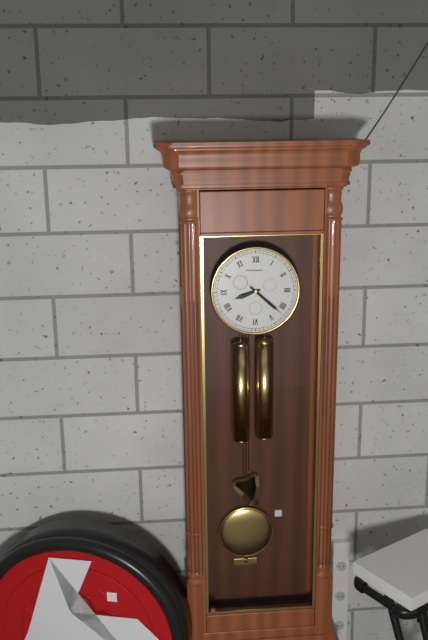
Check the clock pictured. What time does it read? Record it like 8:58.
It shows 8:22
